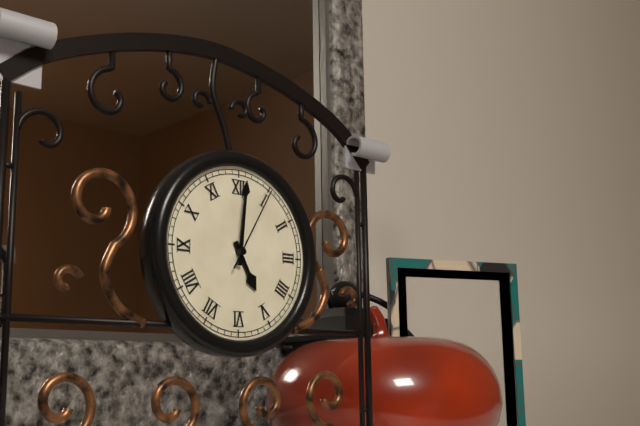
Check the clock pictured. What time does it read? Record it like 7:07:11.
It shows 5:01:05
